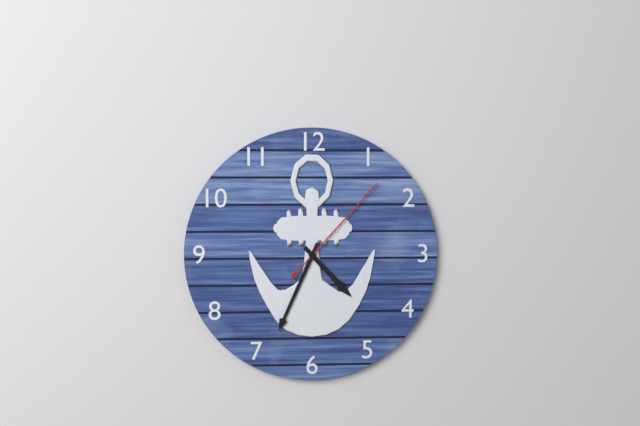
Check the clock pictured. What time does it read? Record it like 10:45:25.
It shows 4:34:07
